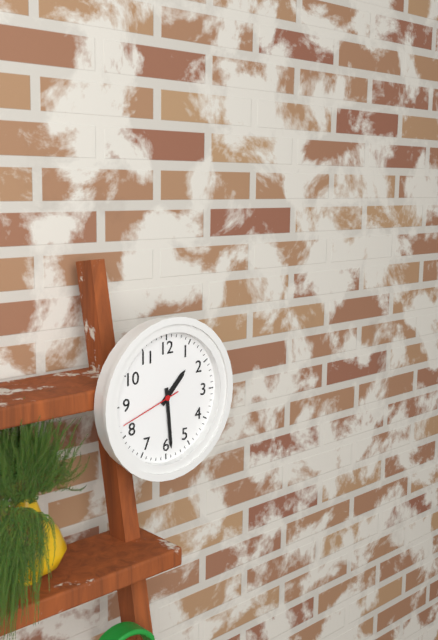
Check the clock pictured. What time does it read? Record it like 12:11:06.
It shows 1:29:42
